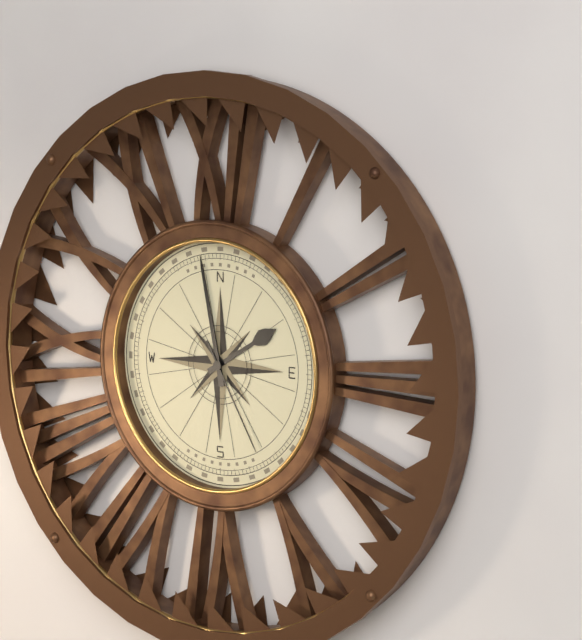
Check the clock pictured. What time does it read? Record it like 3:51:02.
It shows 1:58:25
